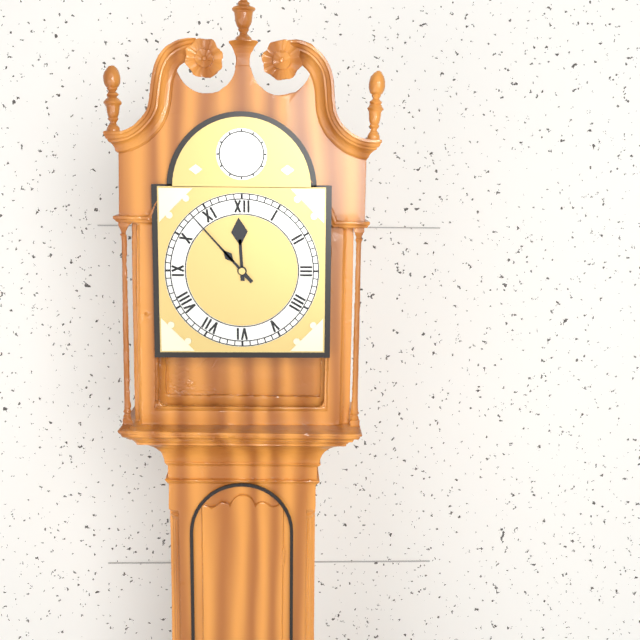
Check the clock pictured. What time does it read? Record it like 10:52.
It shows 11:53
